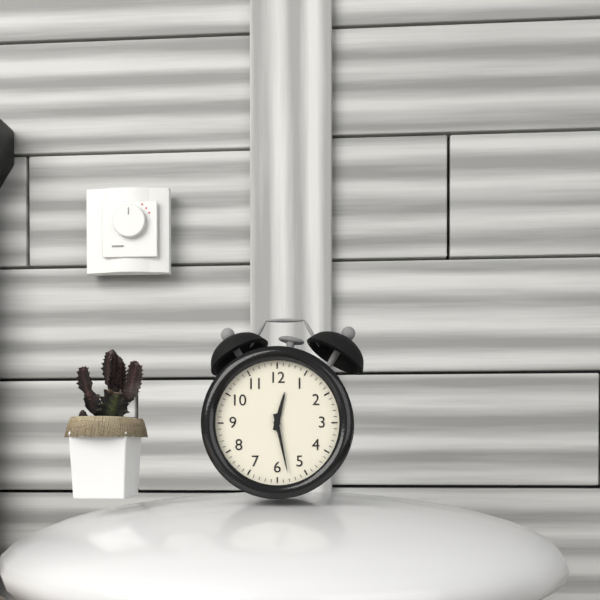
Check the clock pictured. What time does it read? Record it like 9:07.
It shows 12:28
